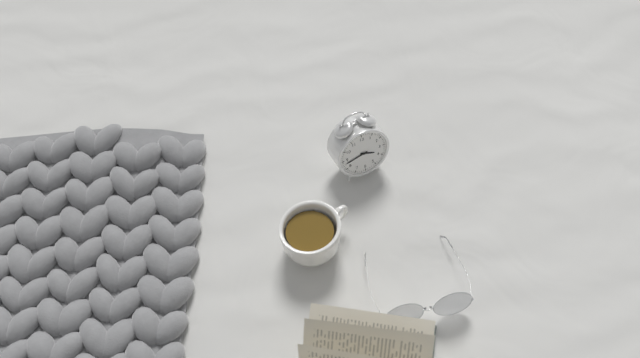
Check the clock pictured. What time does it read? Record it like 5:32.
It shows 3:43
